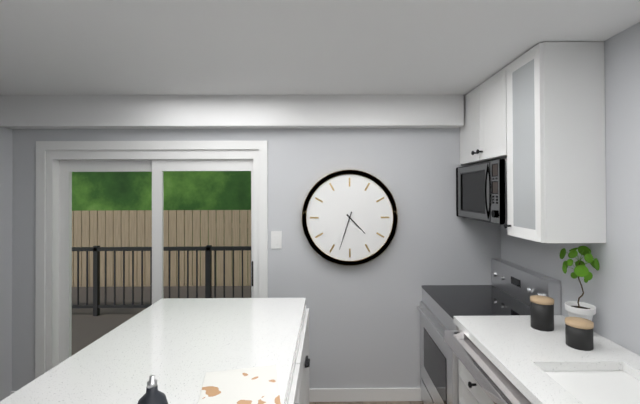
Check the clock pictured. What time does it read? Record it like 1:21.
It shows 4:33
